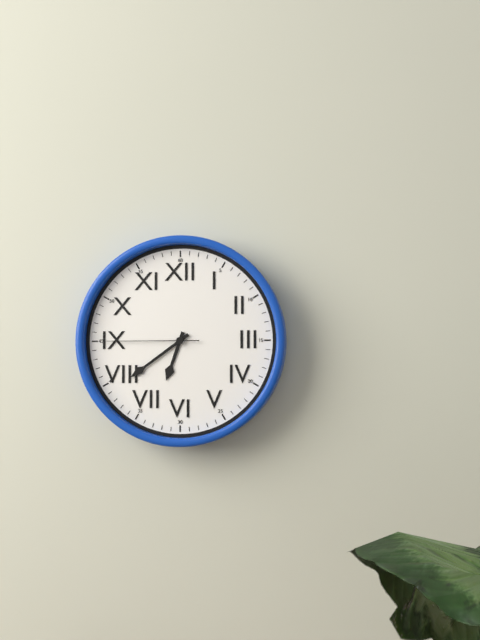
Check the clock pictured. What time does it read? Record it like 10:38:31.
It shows 6:39:45
